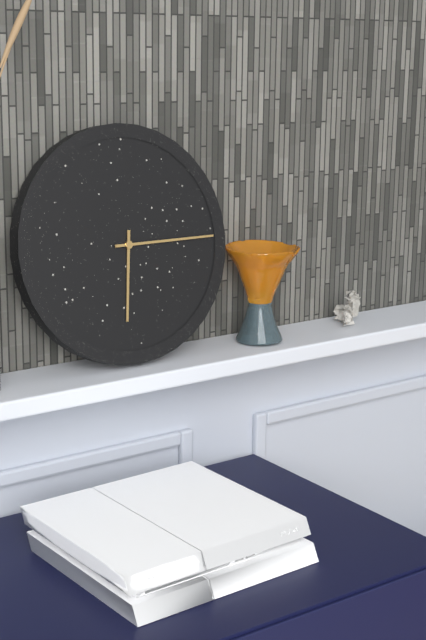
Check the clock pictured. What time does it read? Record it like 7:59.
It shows 6:15
